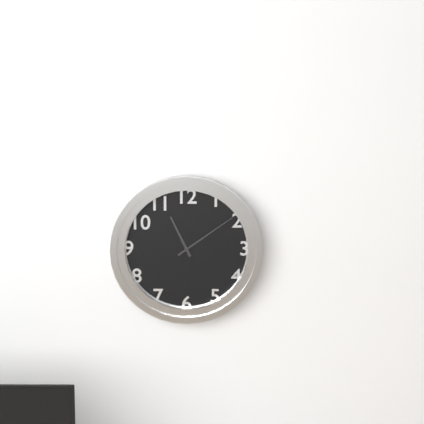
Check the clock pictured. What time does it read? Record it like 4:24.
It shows 11:09
